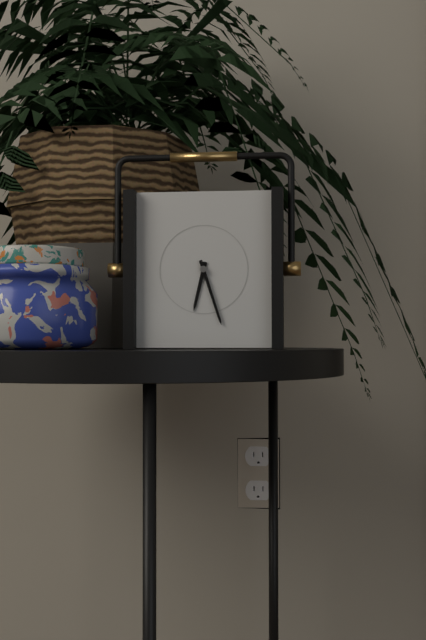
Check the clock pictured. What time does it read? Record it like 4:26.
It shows 6:27
